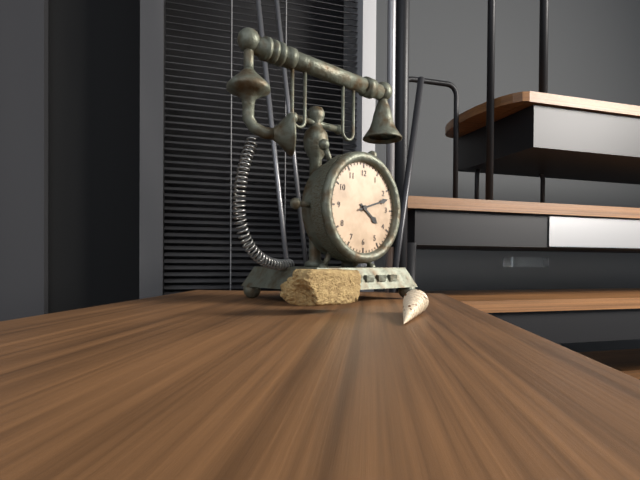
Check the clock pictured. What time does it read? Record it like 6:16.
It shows 4:12
